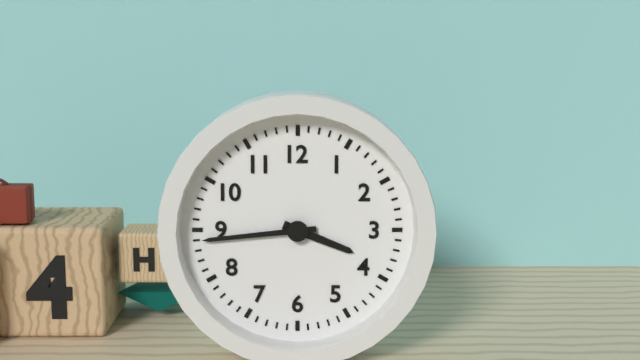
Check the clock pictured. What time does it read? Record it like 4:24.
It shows 3:44
